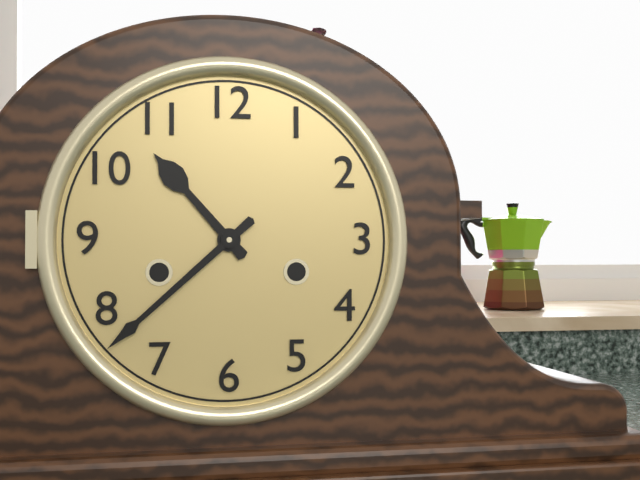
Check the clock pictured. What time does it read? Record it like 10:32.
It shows 10:38
